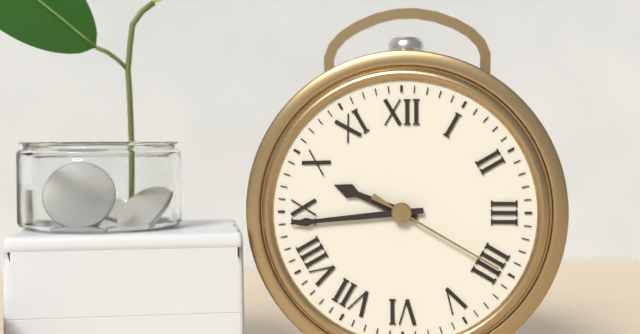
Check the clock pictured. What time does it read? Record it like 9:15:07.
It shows 9:44:20
